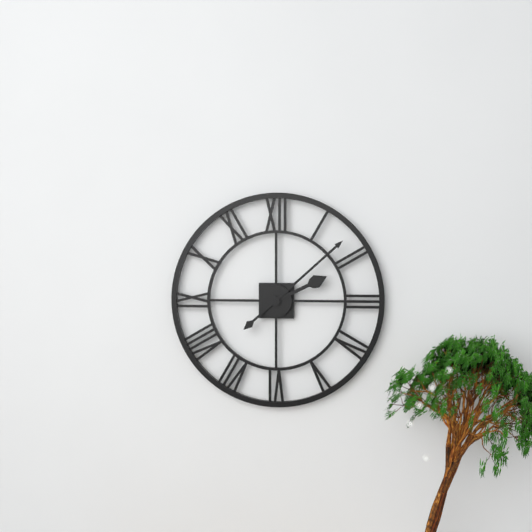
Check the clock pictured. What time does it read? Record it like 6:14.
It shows 2:08
